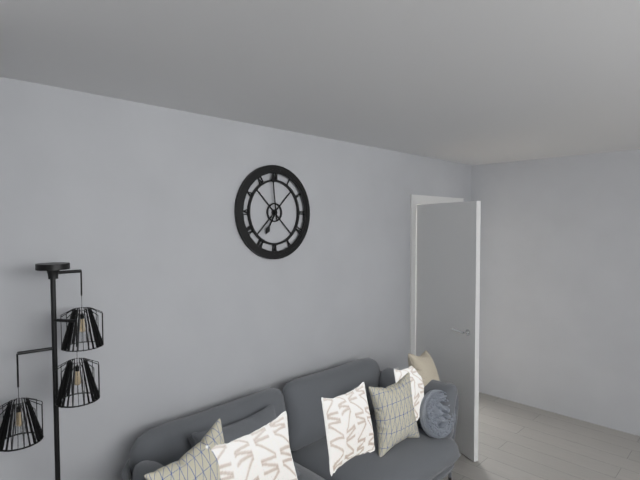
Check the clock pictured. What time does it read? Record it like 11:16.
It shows 6:59
